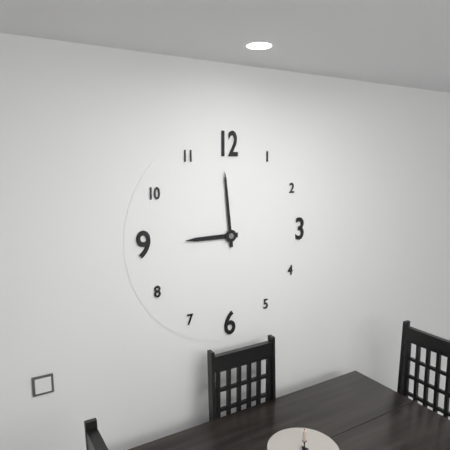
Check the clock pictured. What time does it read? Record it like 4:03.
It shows 8:59
